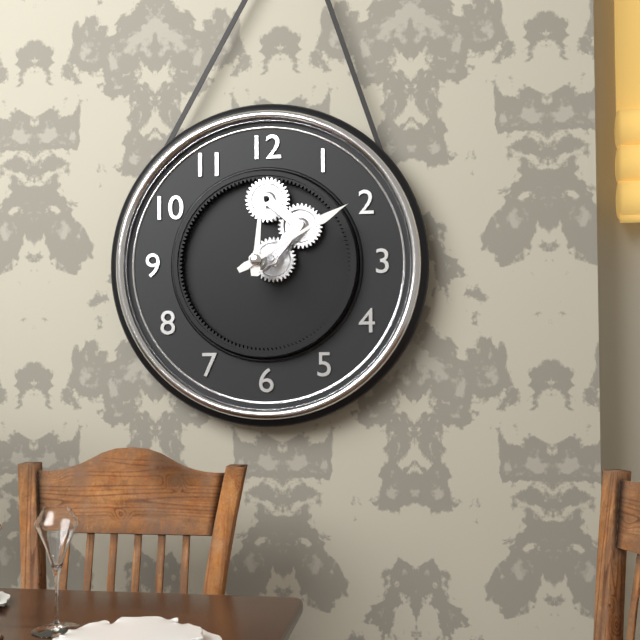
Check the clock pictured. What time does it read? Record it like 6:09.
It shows 12:10
